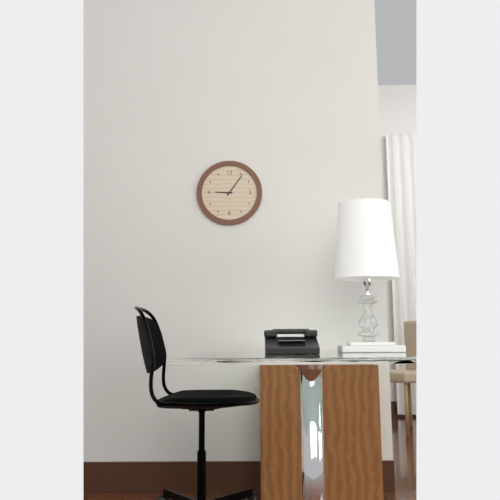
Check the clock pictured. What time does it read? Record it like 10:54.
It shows 9:06
